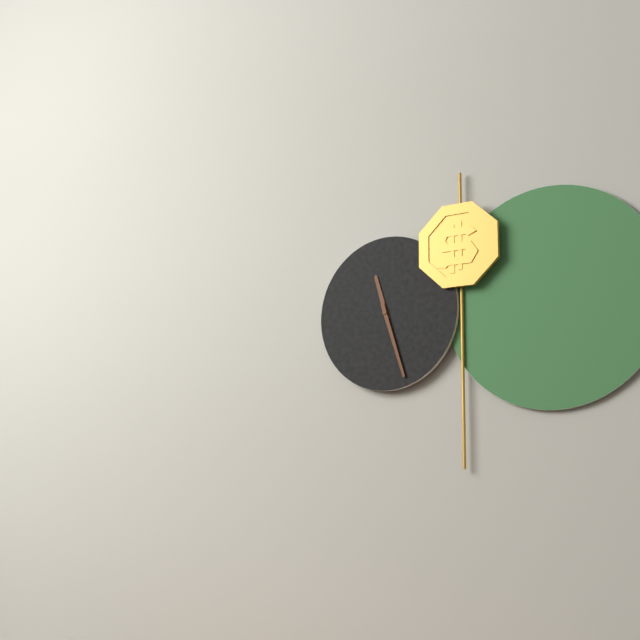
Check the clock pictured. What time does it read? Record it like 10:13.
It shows 11:27
